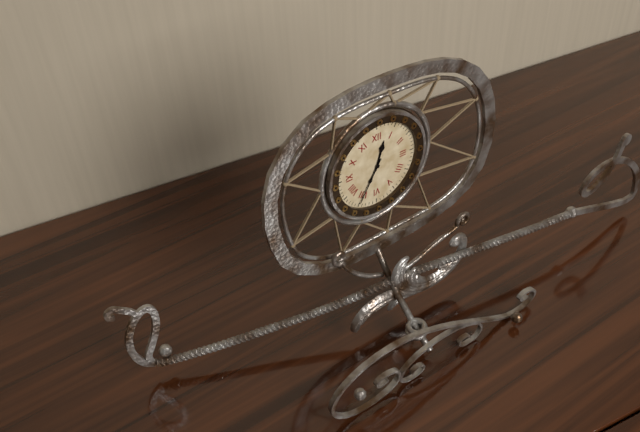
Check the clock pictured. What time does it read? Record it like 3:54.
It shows 12:35
